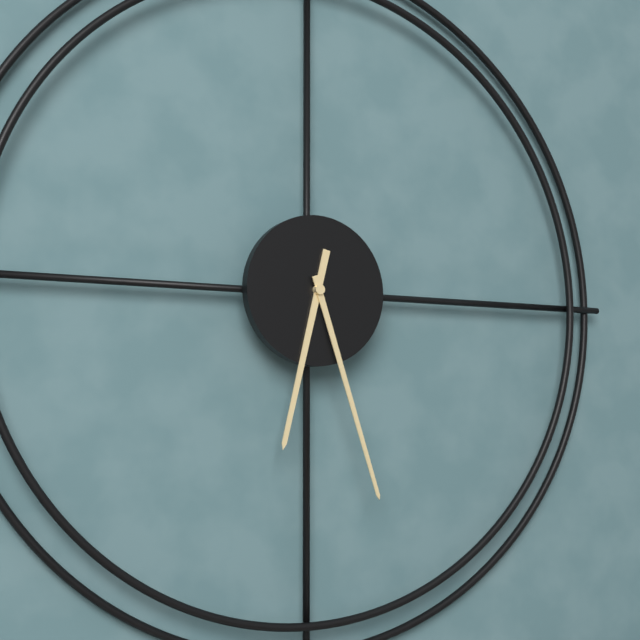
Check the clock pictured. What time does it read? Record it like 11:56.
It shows 6:27
